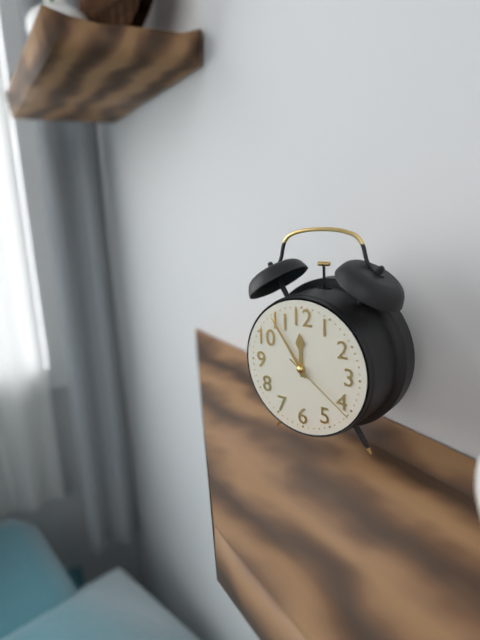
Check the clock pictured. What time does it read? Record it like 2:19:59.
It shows 11:54:21
